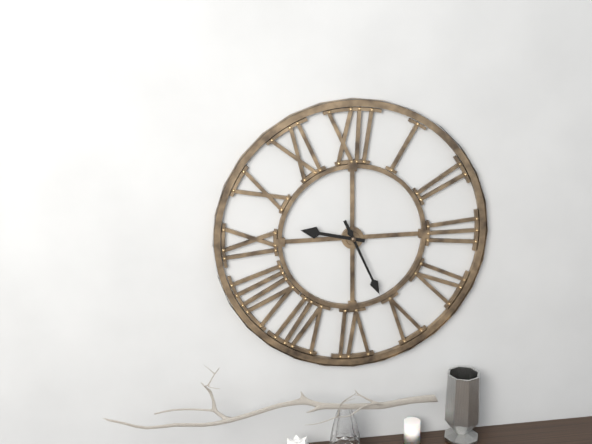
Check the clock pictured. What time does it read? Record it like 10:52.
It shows 9:26
